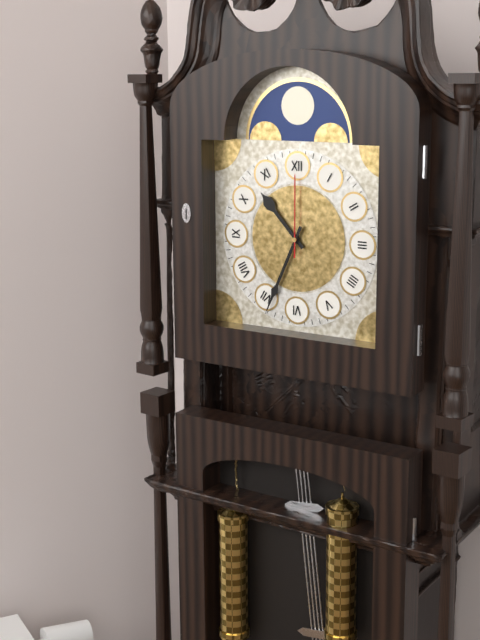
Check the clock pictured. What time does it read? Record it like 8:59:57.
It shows 10:34:00
